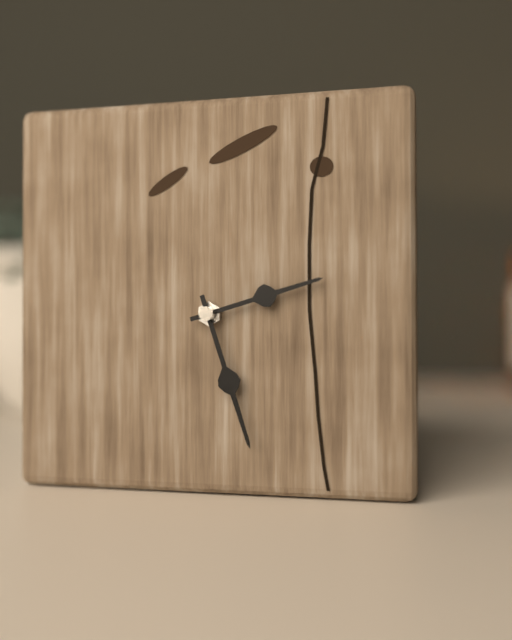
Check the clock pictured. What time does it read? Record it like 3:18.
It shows 2:27
